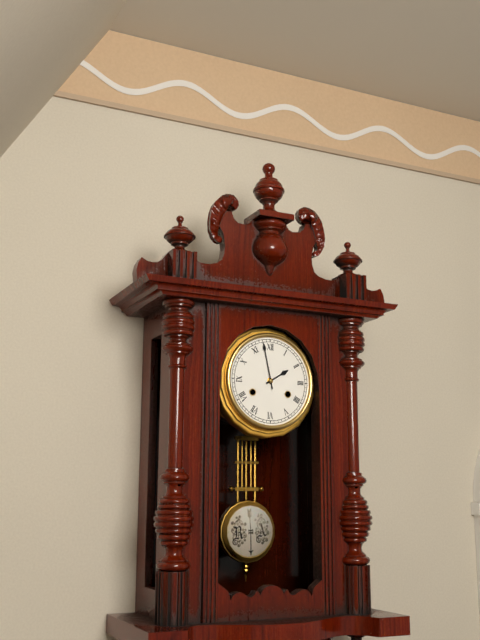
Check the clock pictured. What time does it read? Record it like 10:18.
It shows 1:58
